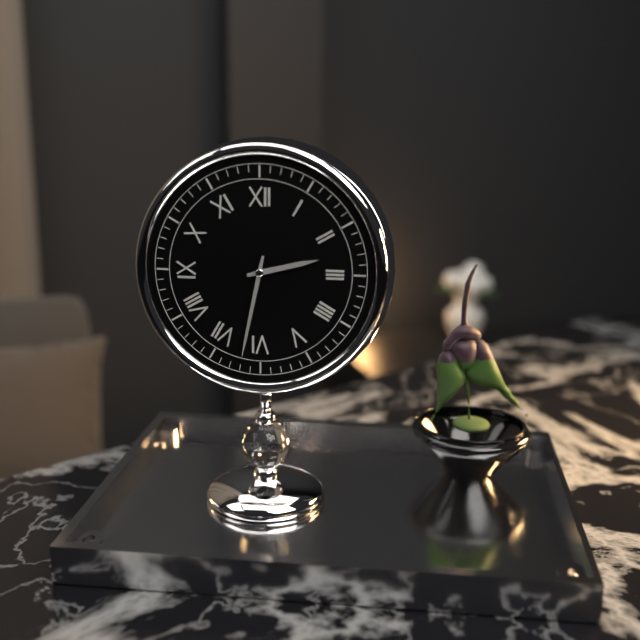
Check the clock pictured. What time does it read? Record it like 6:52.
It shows 2:32
